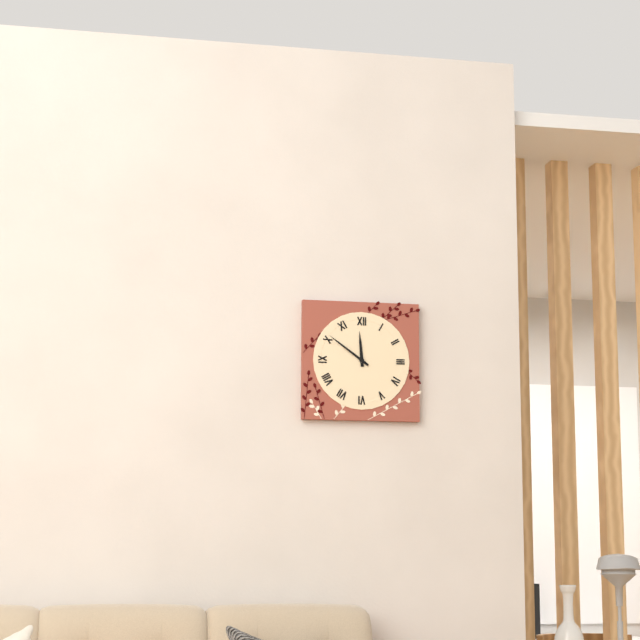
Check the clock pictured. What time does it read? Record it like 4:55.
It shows 11:51
